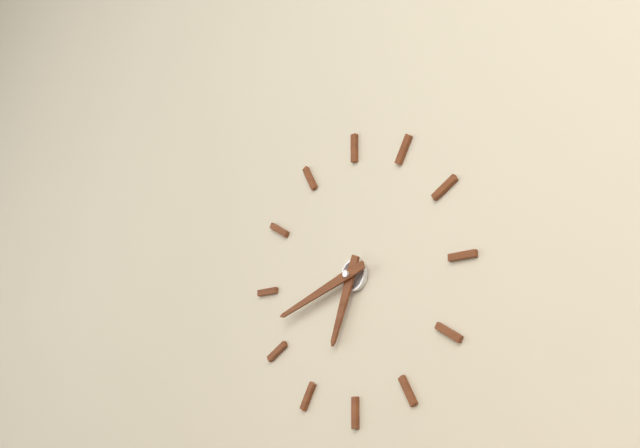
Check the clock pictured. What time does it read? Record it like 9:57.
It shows 6:42
